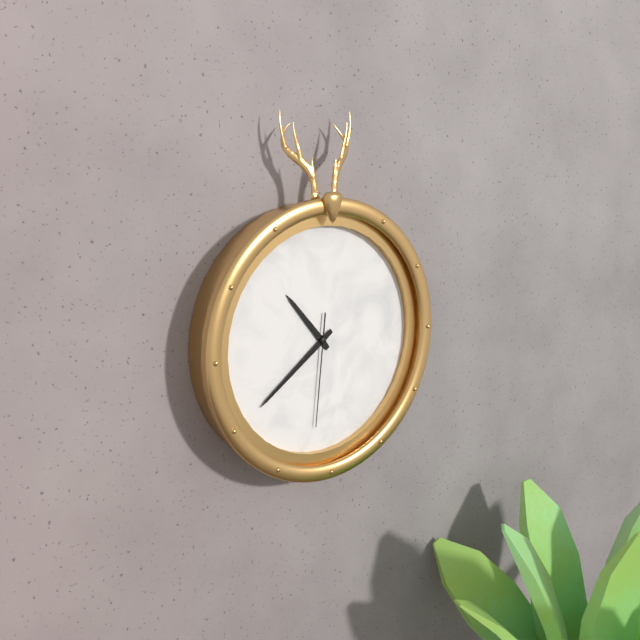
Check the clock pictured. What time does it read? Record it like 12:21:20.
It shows 10:39:31
